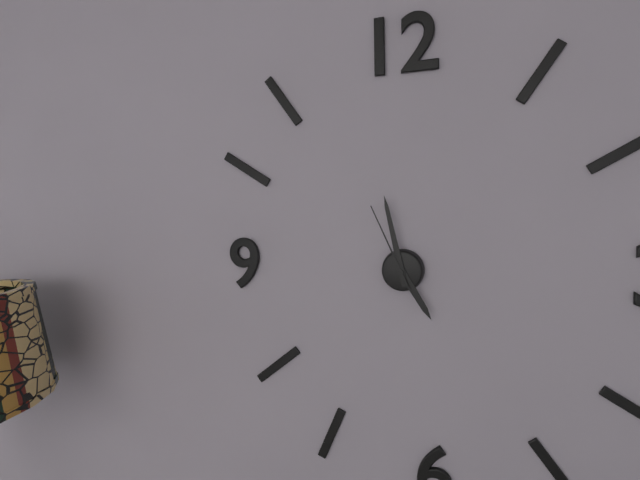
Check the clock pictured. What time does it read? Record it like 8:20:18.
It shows 4:58:56
